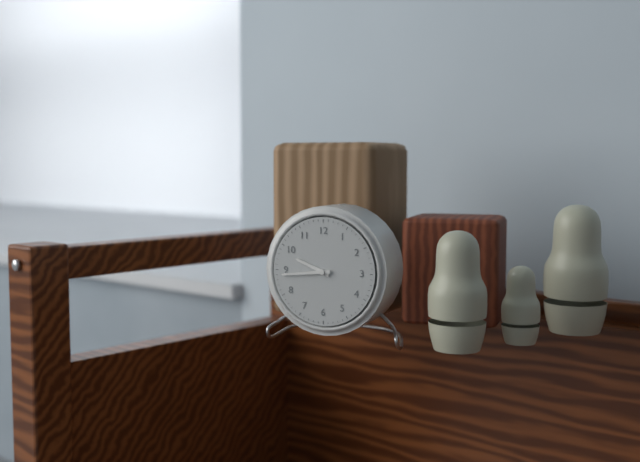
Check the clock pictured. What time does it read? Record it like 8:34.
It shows 9:44
